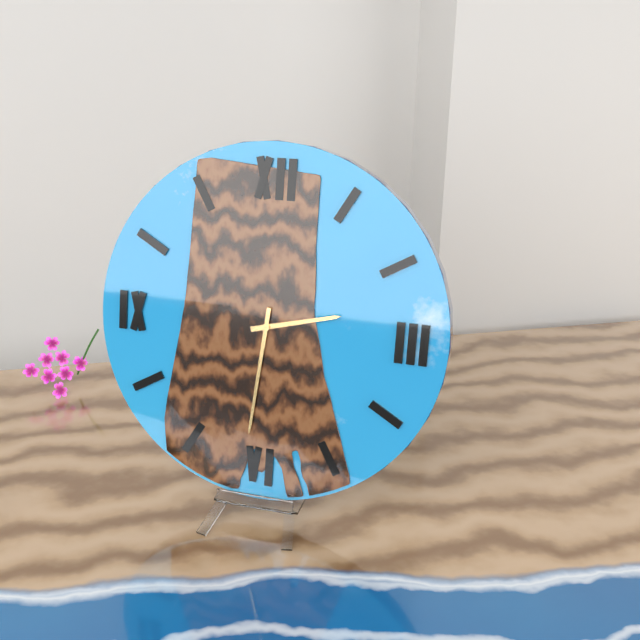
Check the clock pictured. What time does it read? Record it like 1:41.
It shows 2:31
